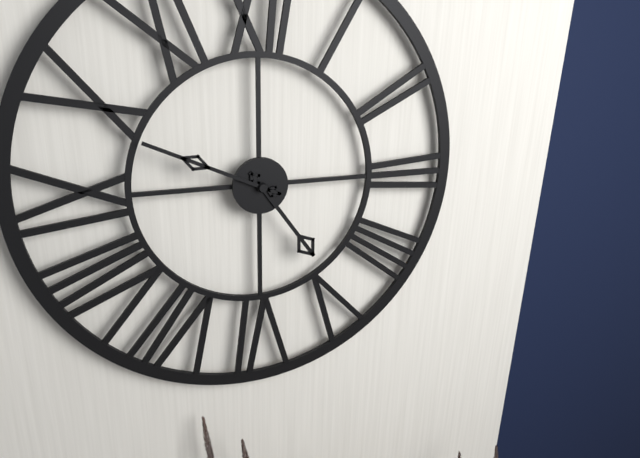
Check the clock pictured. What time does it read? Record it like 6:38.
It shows 4:49
